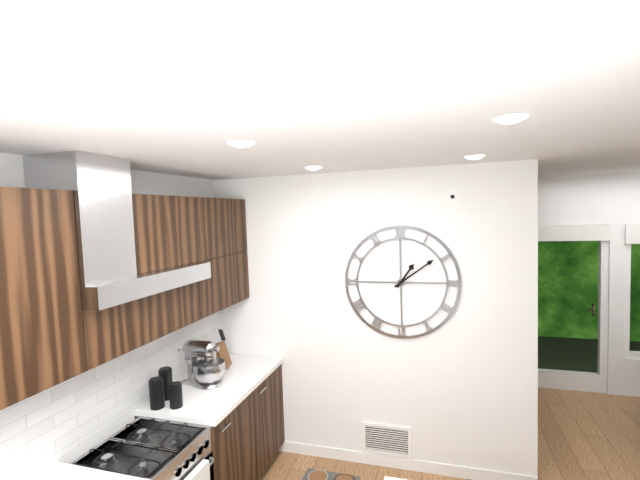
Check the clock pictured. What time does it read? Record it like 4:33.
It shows 1:09
